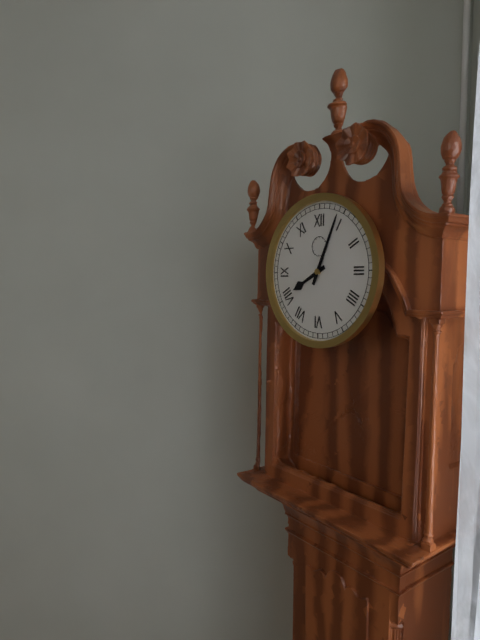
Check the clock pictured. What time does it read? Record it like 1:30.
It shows 8:04
